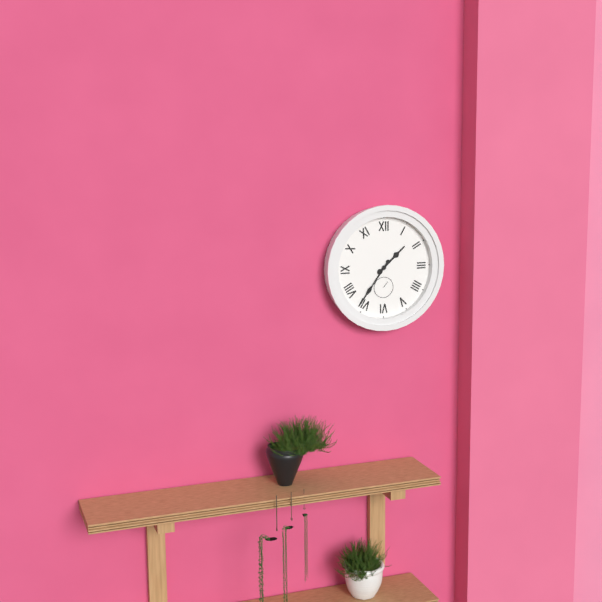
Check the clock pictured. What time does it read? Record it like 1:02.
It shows 1:36
